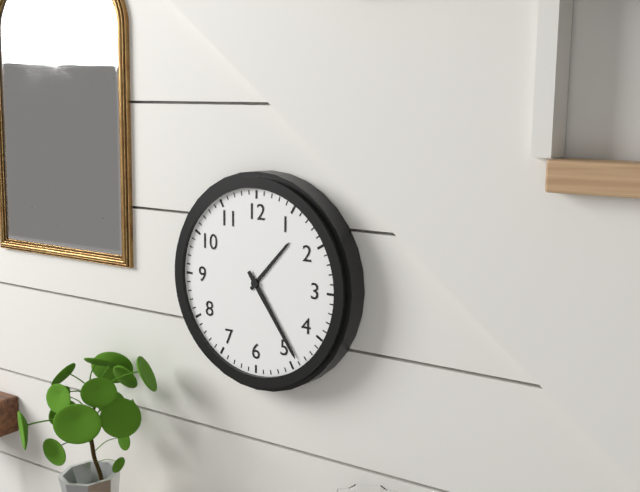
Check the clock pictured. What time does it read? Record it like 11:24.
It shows 1:24
